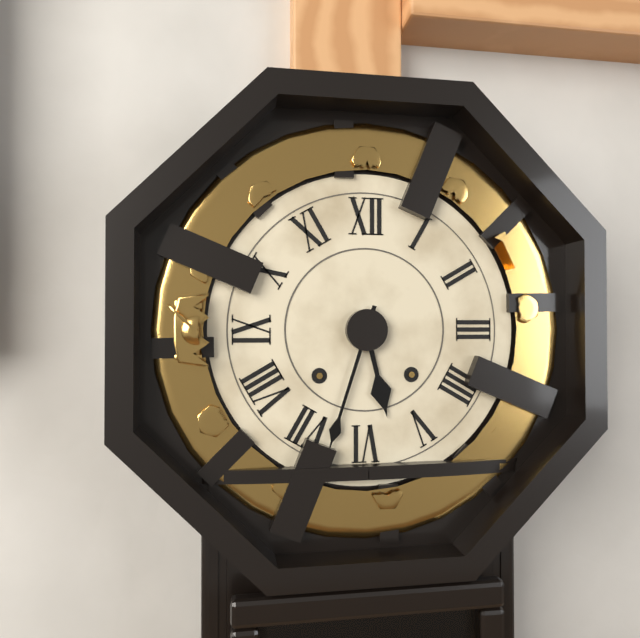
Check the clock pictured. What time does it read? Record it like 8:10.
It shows 5:33
